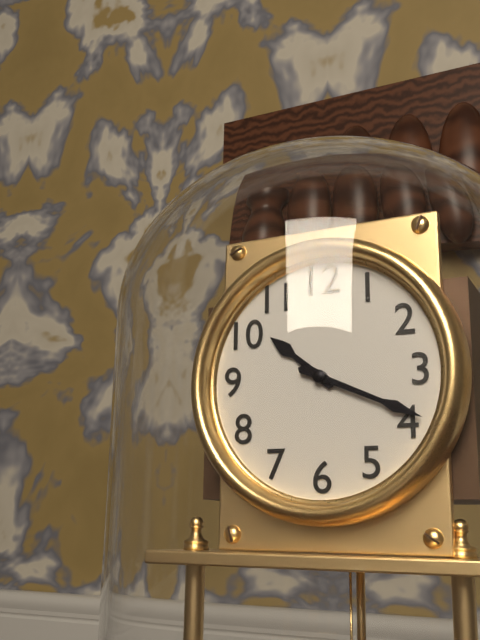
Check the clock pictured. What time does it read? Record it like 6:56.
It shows 10:19
